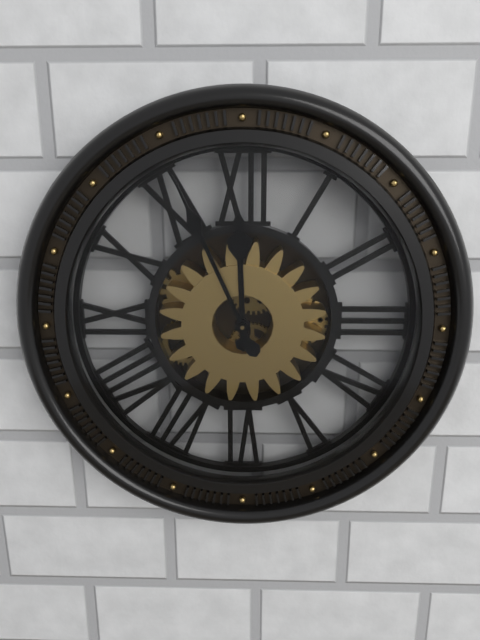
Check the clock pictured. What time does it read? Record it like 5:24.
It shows 11:56
